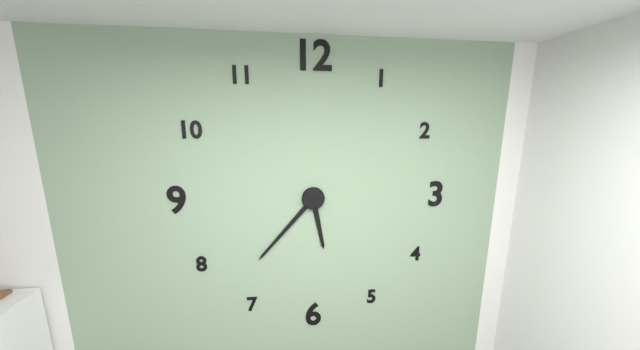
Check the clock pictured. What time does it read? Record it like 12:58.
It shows 5:37
